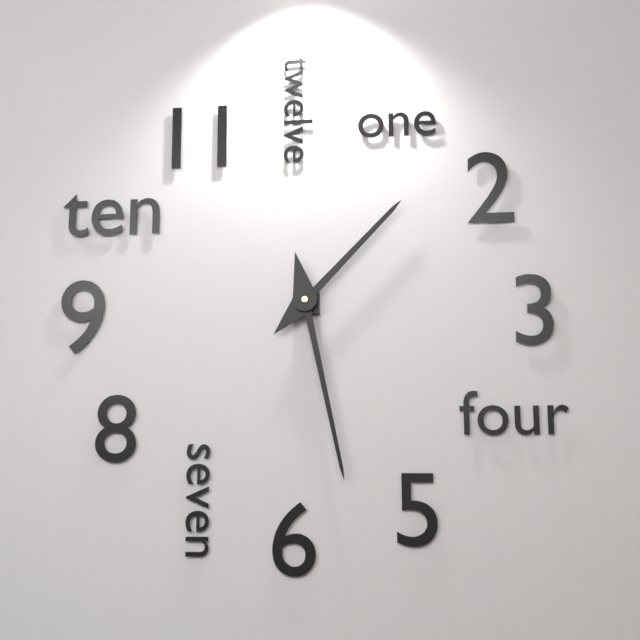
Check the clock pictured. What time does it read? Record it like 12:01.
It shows 1:28
